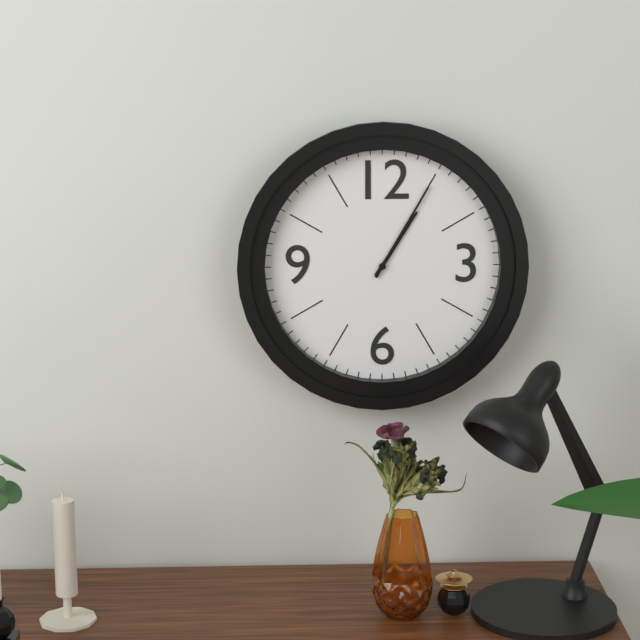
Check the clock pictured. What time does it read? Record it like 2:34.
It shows 1:05
